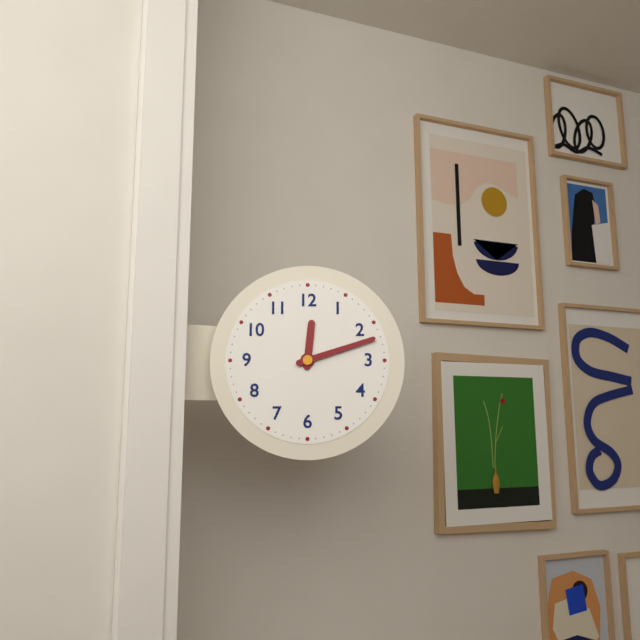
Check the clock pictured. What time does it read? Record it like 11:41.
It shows 12:12
